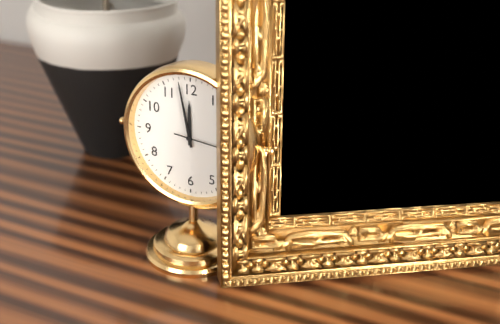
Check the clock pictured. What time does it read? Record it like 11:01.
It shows 11:58
